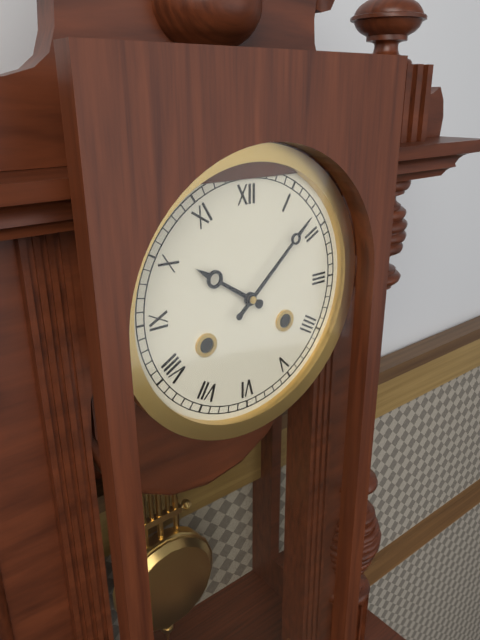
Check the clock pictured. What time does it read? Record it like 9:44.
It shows 10:08
